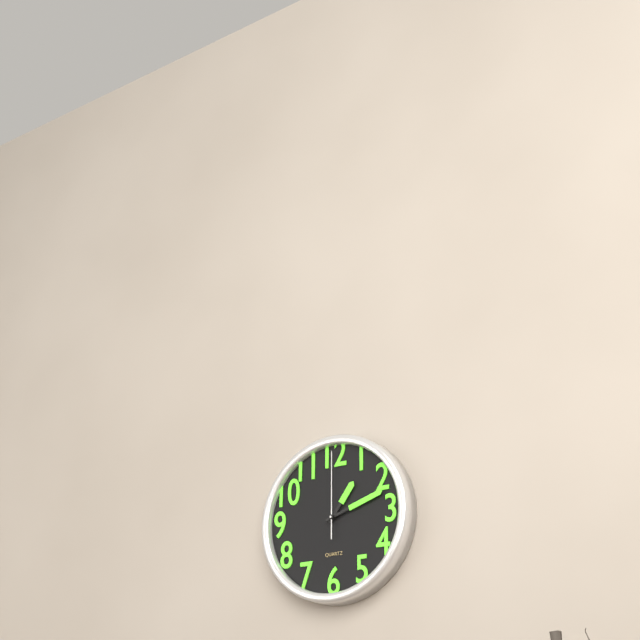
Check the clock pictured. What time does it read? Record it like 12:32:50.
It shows 1:12:00
